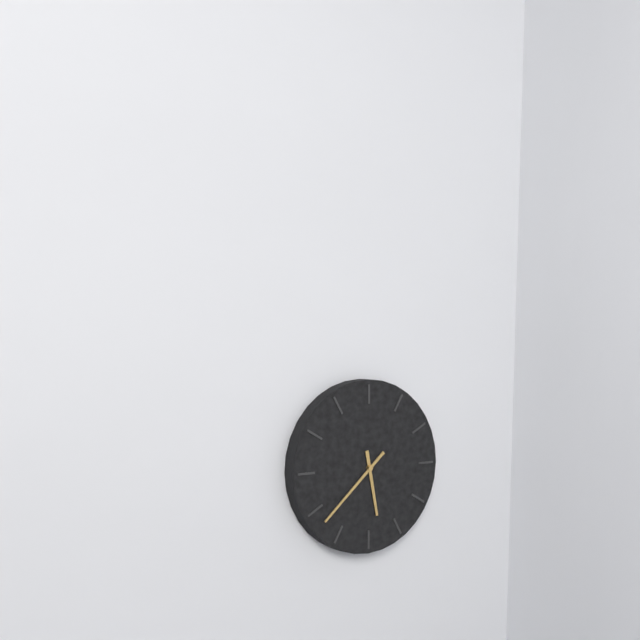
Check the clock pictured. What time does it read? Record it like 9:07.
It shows 5:38
